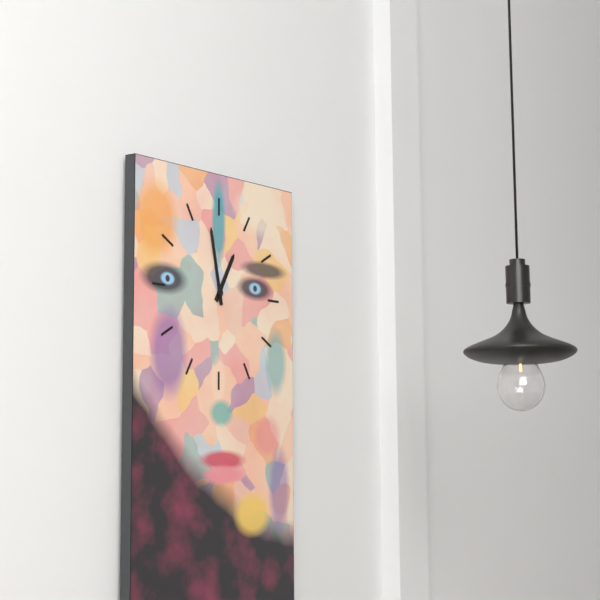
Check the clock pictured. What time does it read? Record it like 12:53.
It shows 12:58
